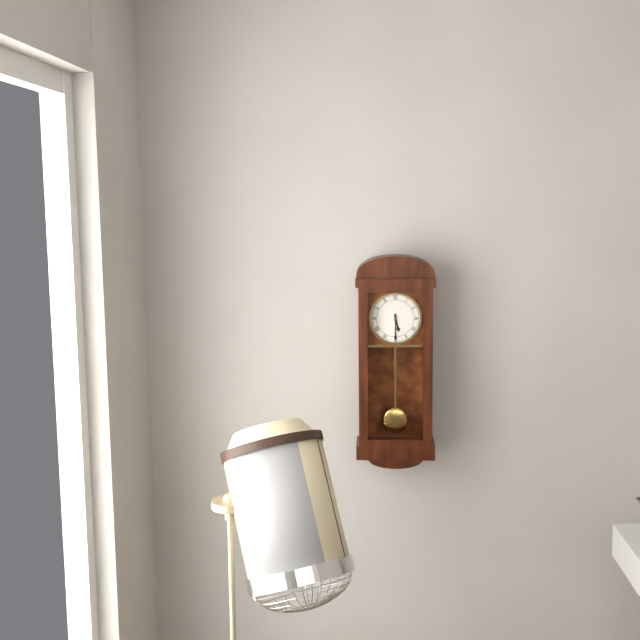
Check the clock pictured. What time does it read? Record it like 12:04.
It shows 5:30
